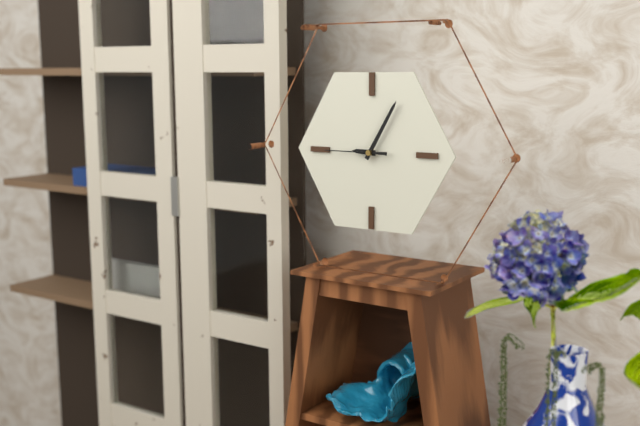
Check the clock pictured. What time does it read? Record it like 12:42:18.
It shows 9:05:45
